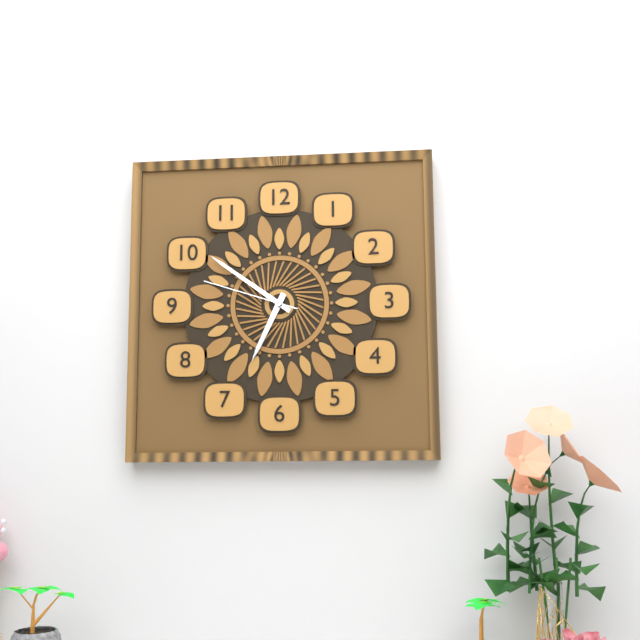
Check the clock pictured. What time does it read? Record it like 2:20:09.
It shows 6:51:48
